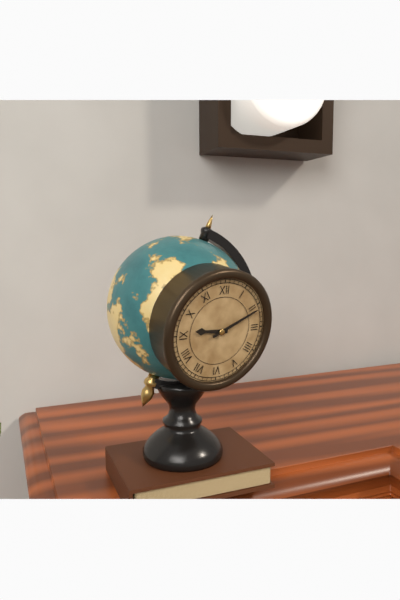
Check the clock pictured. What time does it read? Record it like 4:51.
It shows 9:11
